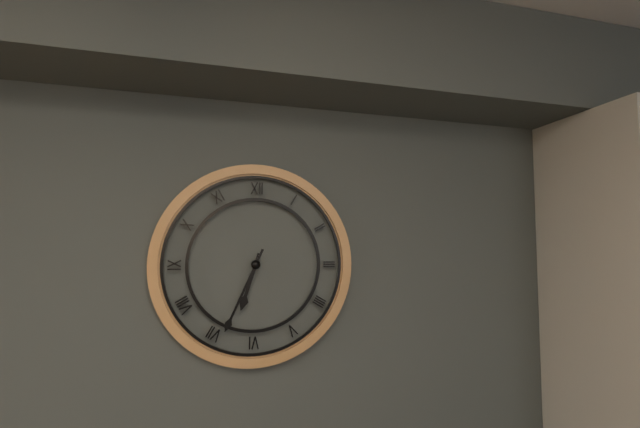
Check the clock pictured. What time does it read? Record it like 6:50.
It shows 6:34
